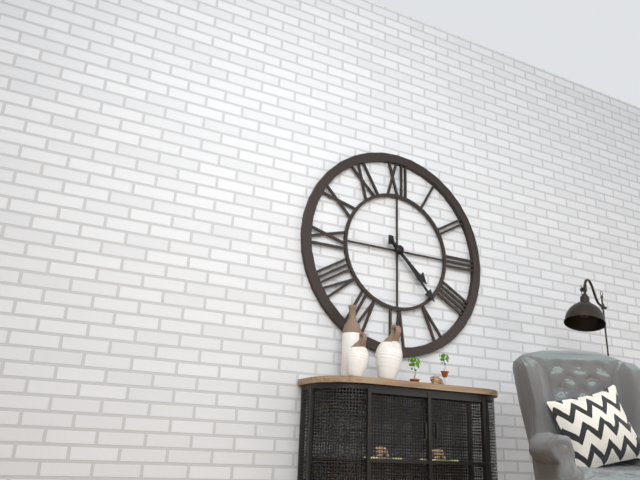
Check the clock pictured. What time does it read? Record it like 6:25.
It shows 4:23
